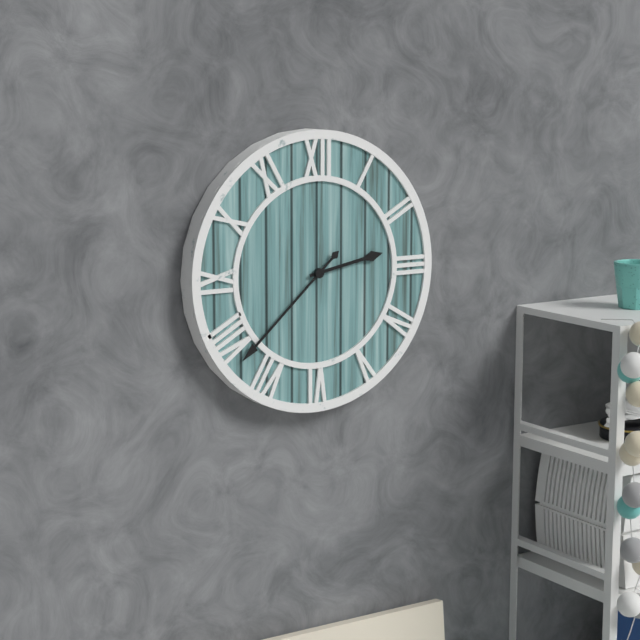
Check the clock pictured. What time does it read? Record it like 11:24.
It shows 2:38
